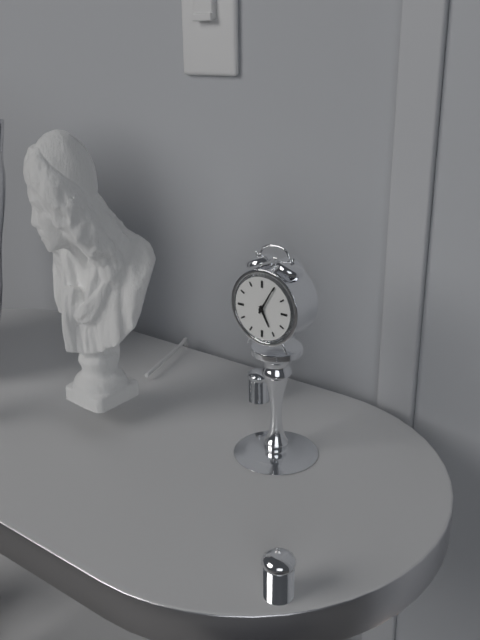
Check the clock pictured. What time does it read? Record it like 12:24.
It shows 5:05
